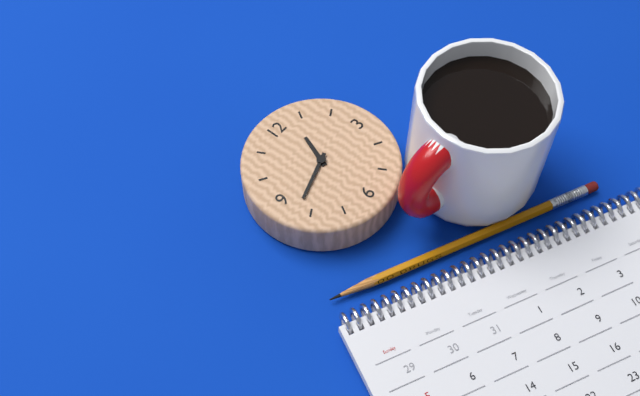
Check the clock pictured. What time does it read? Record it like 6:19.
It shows 12:42
